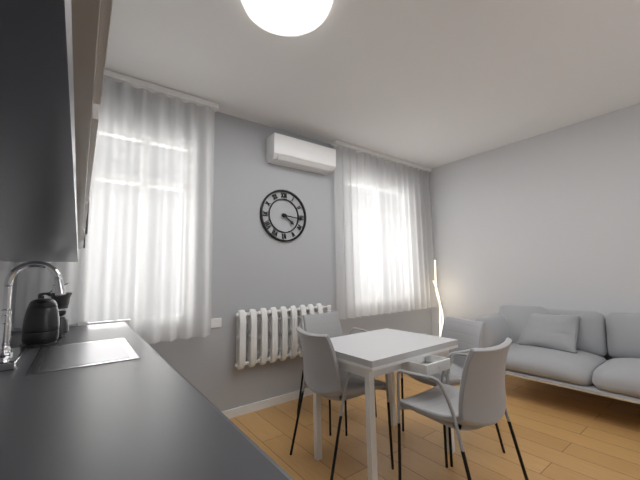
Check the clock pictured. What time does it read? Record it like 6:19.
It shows 4:16
